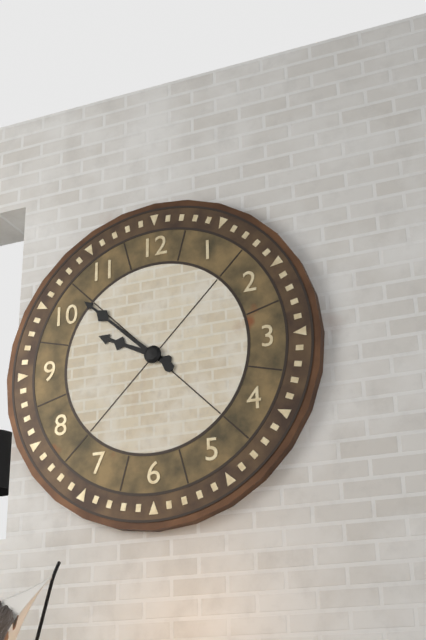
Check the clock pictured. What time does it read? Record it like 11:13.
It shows 9:52
